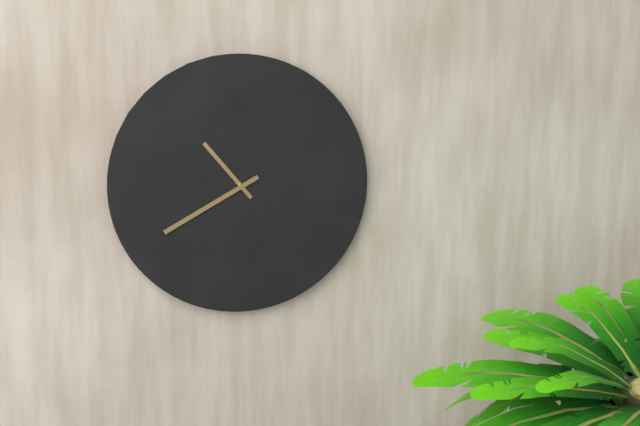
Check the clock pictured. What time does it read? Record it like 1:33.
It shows 10:40
